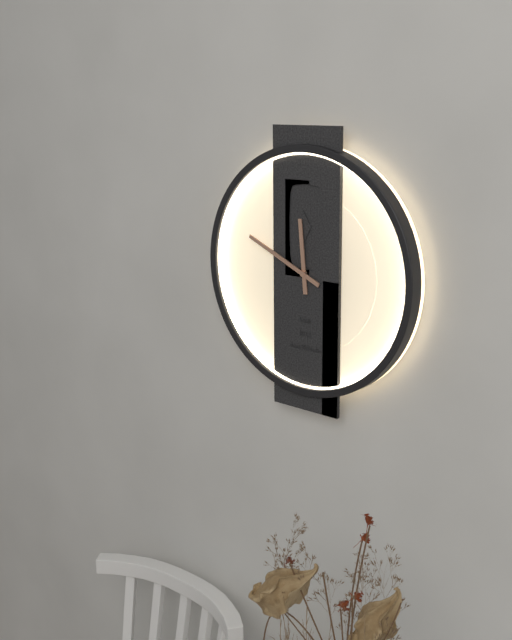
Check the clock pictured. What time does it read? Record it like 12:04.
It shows 11:49
